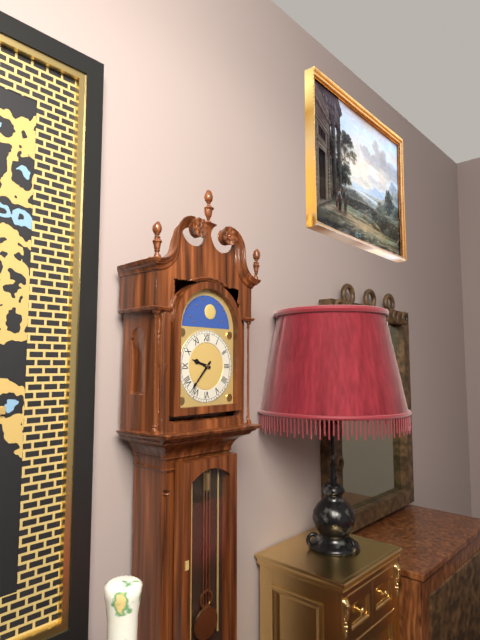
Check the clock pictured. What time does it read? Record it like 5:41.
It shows 9:37
